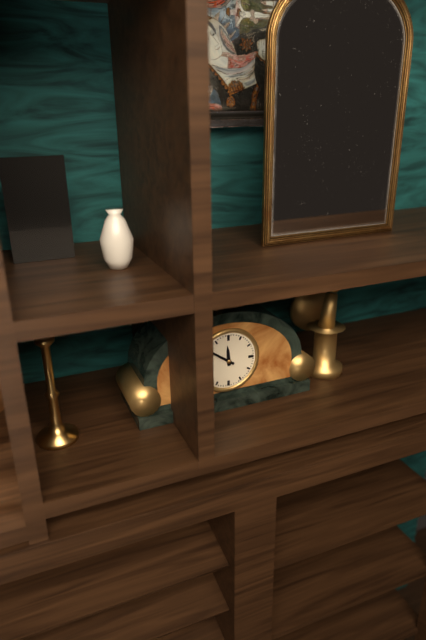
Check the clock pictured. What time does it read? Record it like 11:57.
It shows 11:51
